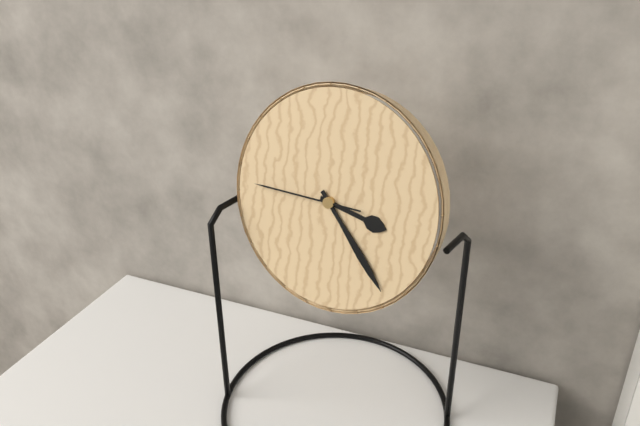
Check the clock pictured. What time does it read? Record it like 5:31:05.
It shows 3:23:45
